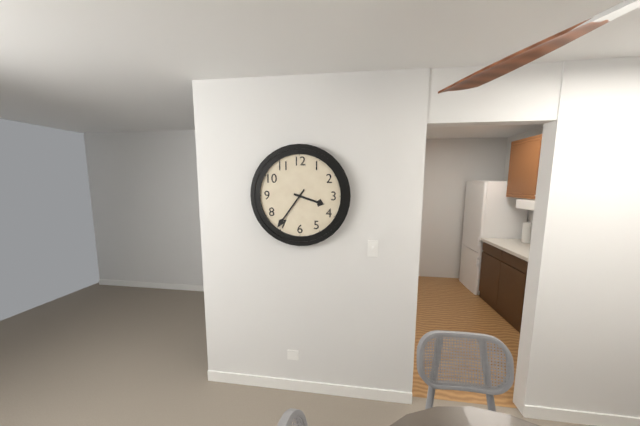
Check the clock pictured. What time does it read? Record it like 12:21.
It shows 3:36
